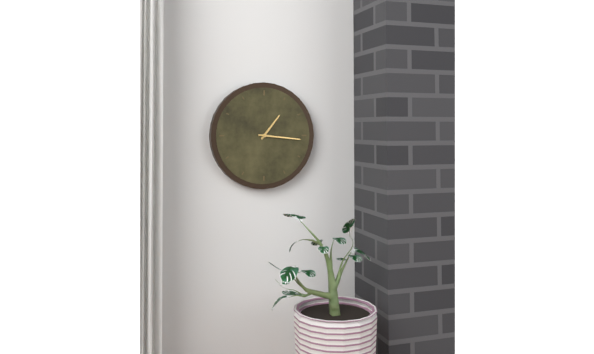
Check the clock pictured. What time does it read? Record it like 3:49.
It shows 1:16
